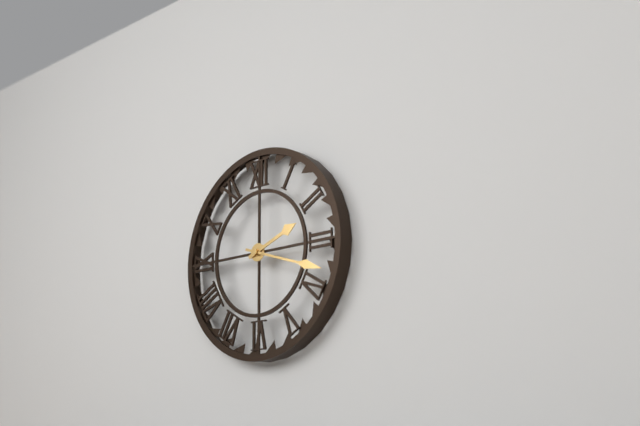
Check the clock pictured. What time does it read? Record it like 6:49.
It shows 2:18
